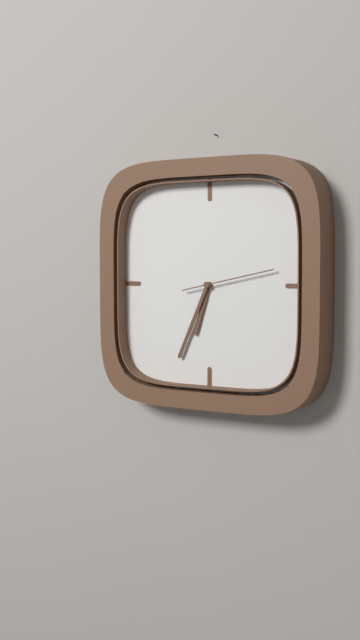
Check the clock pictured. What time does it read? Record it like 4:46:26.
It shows 6:34:13
